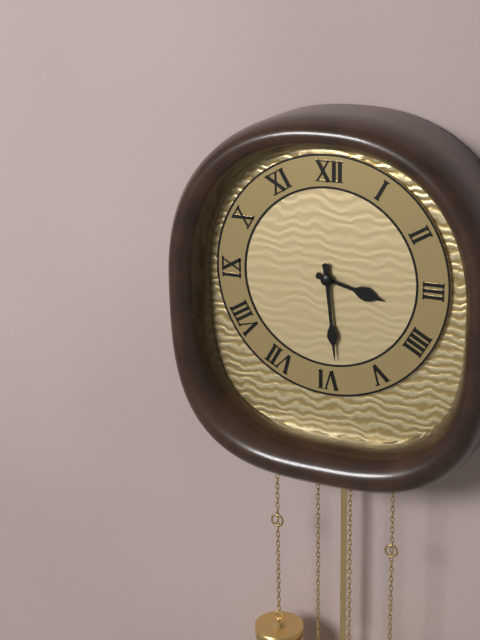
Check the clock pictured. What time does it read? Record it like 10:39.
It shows 3:29
